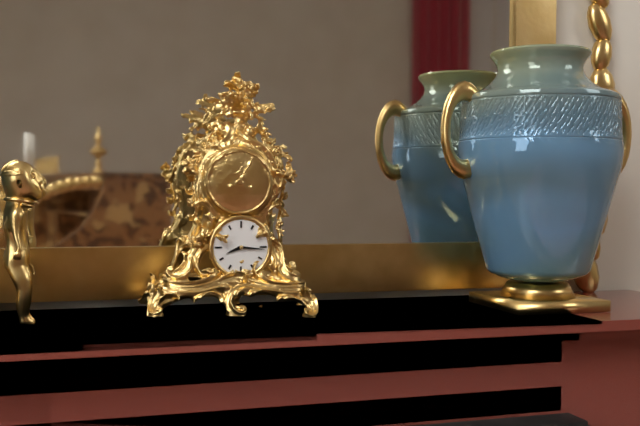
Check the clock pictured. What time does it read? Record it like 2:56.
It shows 8:16
